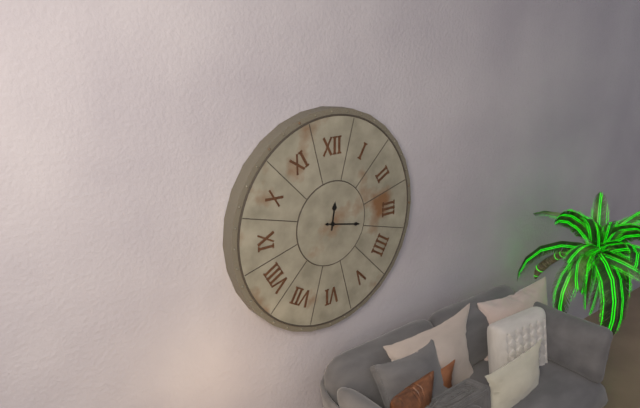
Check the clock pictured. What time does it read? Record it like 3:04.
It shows 12:17
